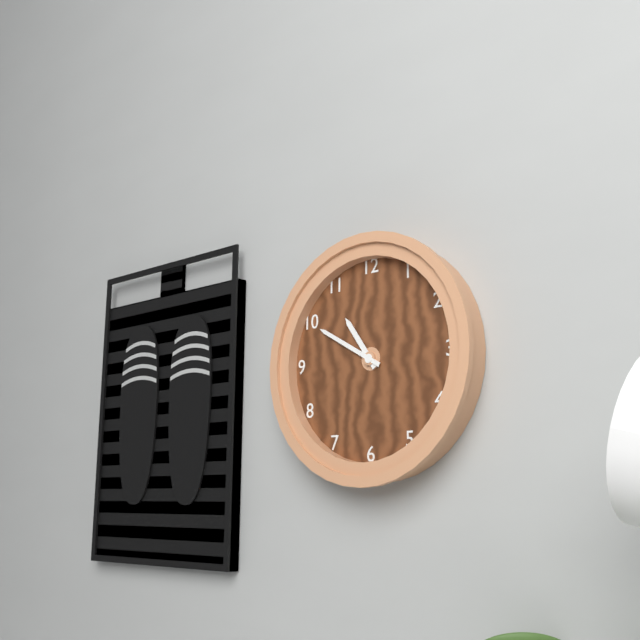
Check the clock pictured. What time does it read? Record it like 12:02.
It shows 10:50
